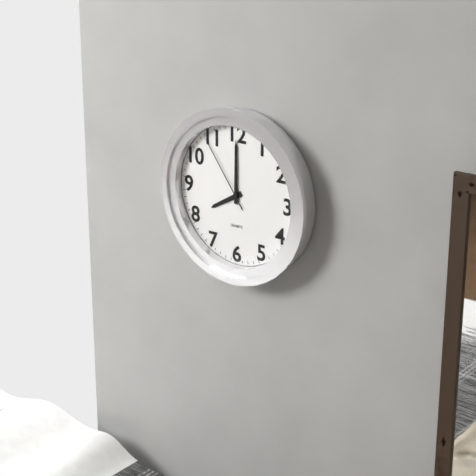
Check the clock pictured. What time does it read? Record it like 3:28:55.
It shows 8:00:54
